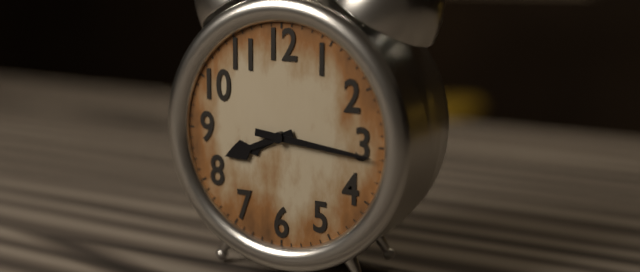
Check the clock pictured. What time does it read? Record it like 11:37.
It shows 8:16
